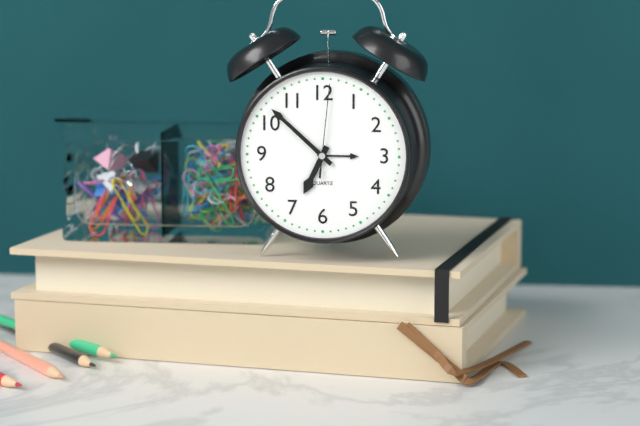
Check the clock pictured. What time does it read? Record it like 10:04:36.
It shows 6:52:01
